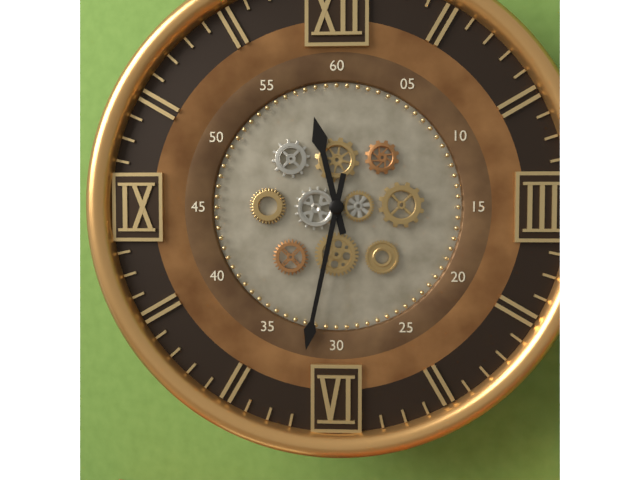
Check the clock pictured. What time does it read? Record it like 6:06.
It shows 11:32
